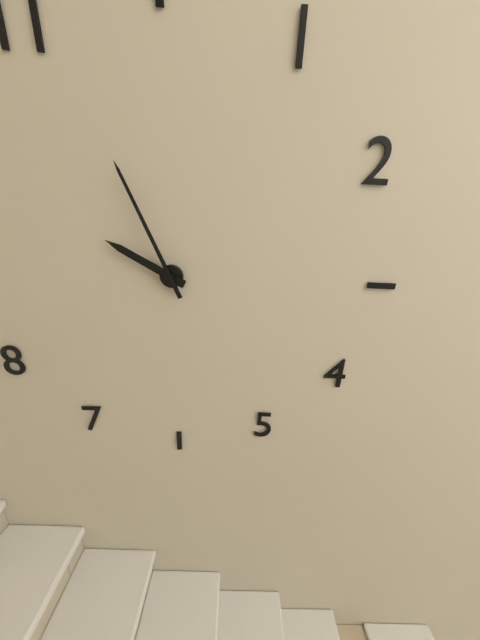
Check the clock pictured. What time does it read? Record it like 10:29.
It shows 9:56
